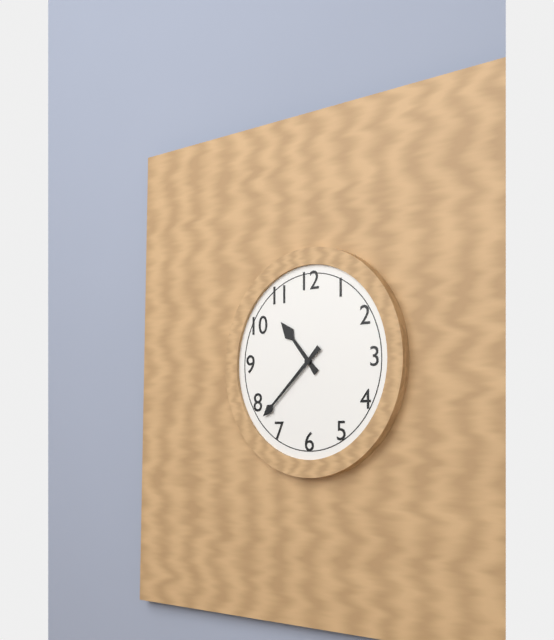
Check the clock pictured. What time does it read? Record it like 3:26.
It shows 10:38
